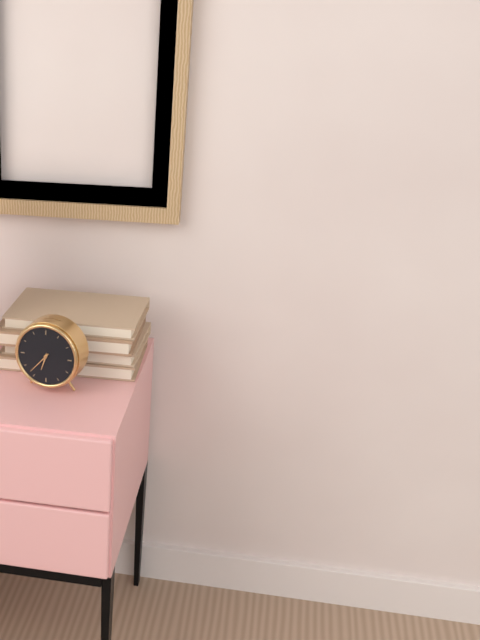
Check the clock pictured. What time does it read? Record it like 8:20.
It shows 6:37
